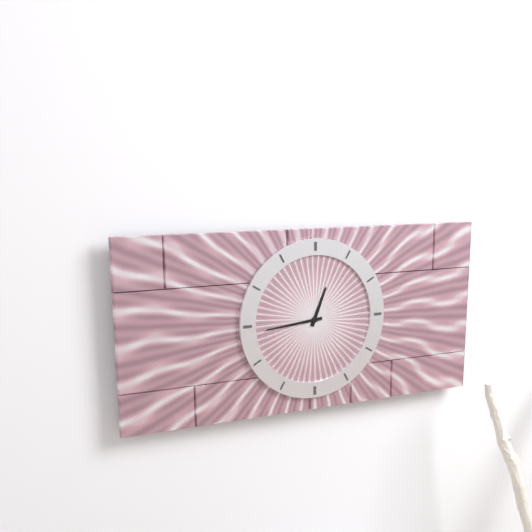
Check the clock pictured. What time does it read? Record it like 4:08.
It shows 12:44
